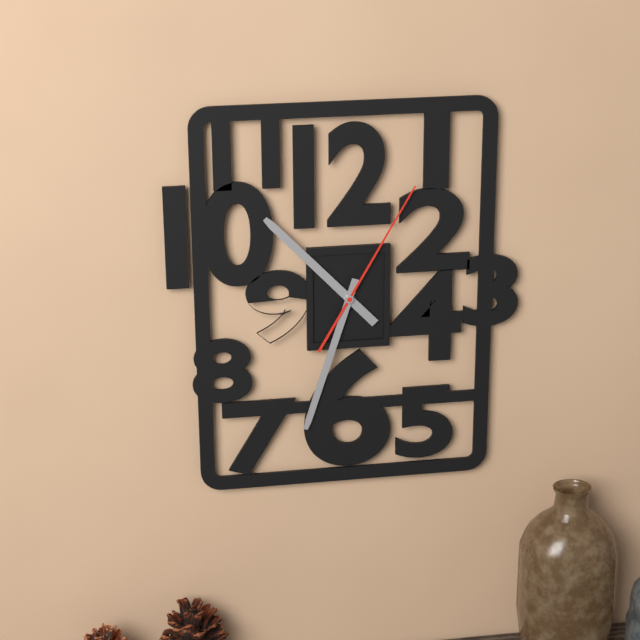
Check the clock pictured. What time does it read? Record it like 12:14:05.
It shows 10:33:05
